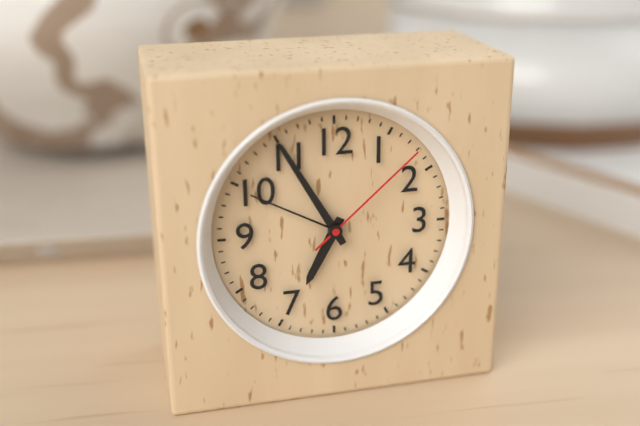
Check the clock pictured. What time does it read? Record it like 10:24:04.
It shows 6:55:08
